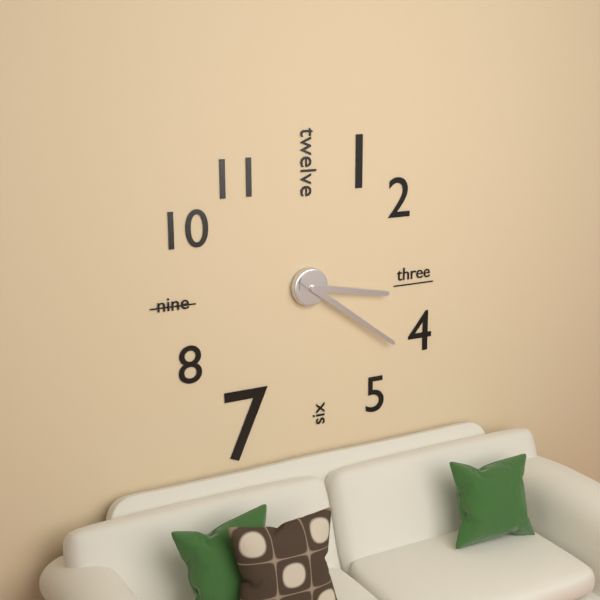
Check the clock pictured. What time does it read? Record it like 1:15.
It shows 3:21
